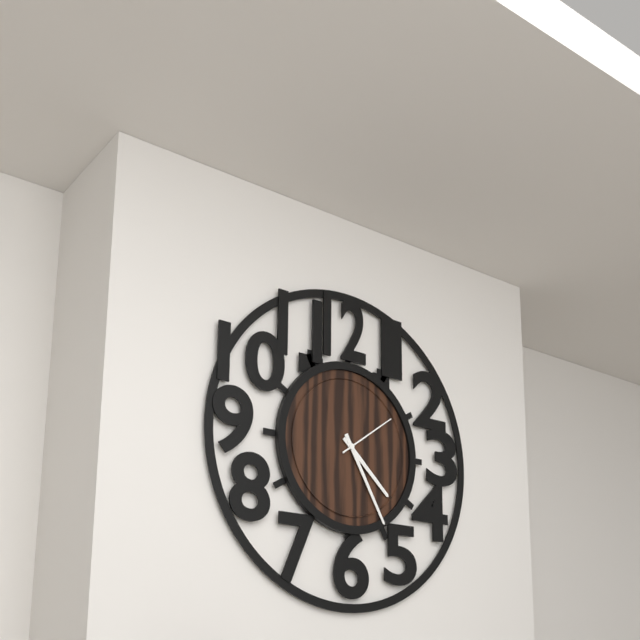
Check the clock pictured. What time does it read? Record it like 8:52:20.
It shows 4:25:09
